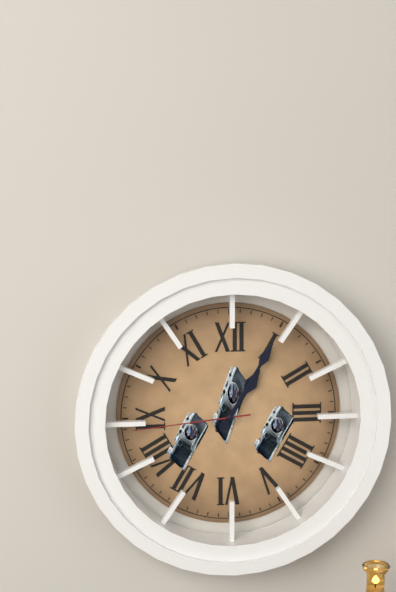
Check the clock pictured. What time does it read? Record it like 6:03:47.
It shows 1:05:44
